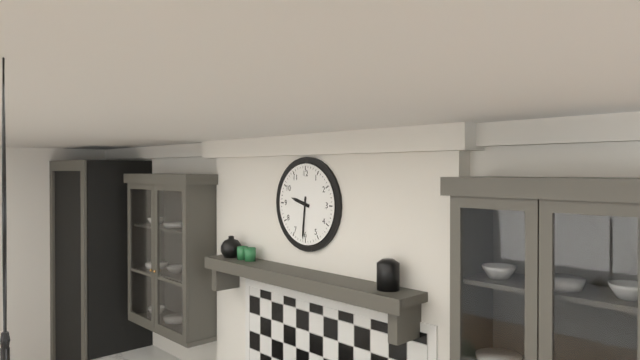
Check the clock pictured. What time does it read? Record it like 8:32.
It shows 9:31
